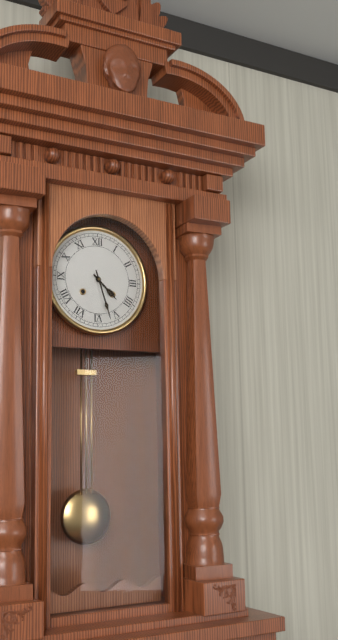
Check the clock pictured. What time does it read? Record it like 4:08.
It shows 4:27
